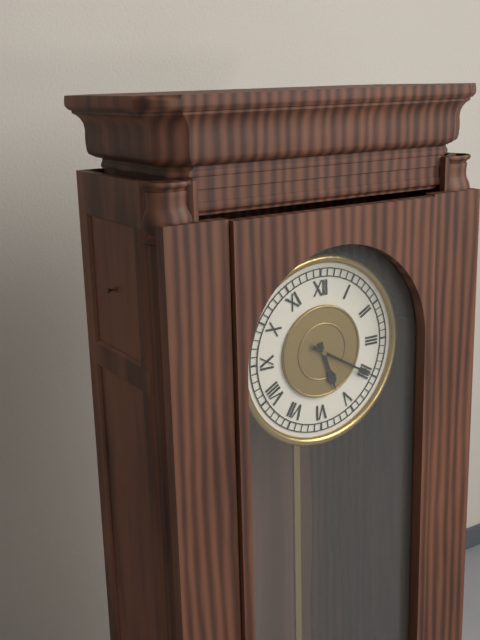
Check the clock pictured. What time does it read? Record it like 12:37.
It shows 5:20
